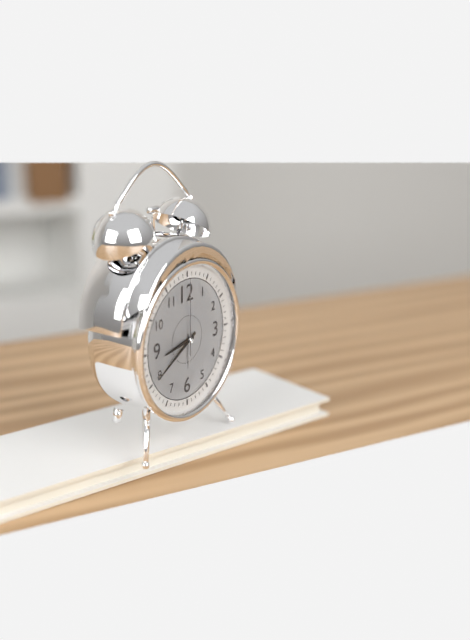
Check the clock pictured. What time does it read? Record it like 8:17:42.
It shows 8:40:00
